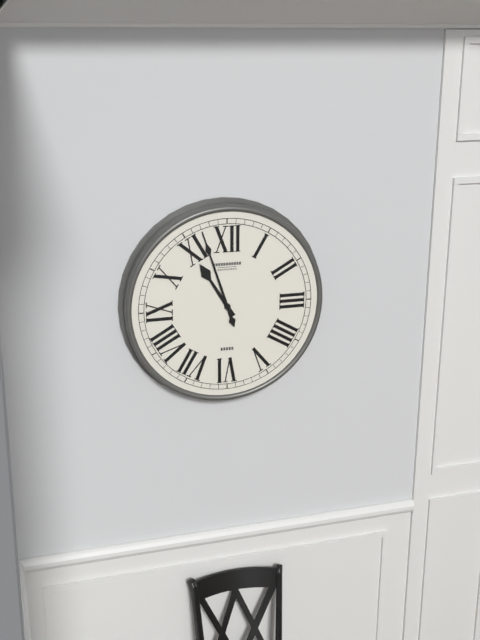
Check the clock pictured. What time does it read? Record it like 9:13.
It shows 10:57
